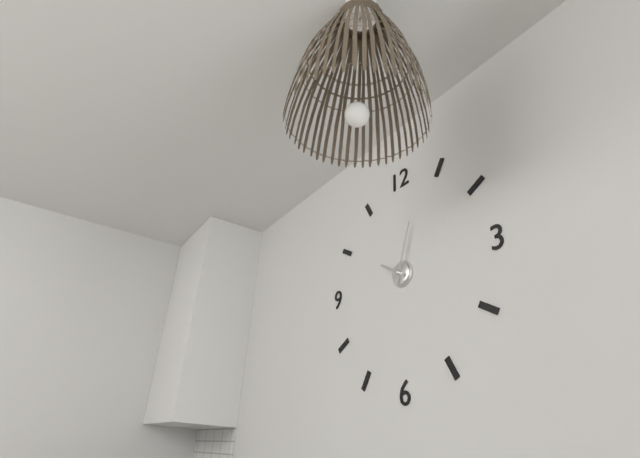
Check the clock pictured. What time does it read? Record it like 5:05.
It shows 10:03
